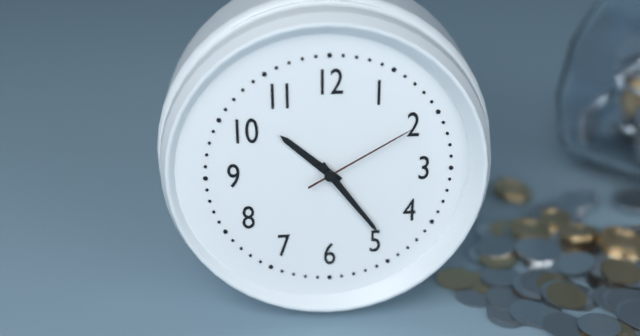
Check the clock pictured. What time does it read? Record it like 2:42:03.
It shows 10:24:10
